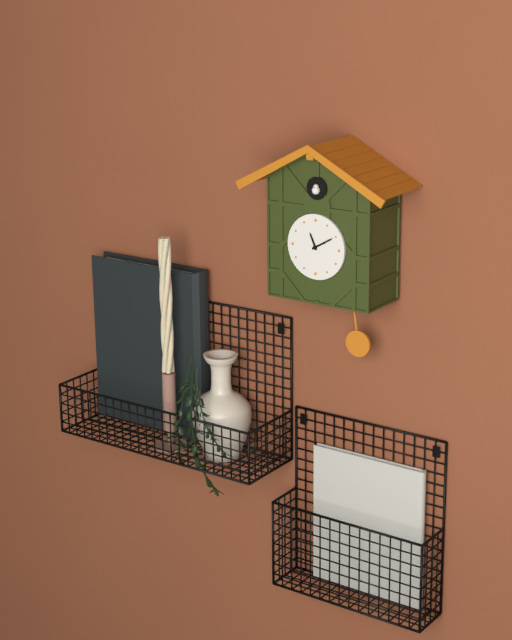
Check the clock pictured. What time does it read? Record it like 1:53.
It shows 11:10
